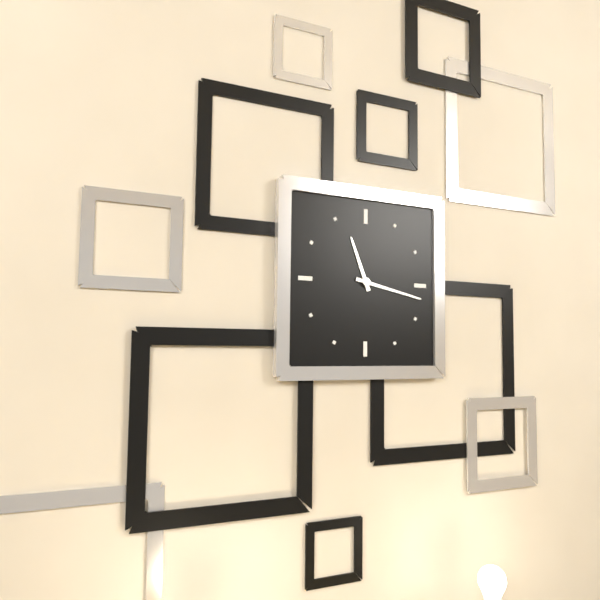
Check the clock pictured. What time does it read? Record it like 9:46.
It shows 11:17
